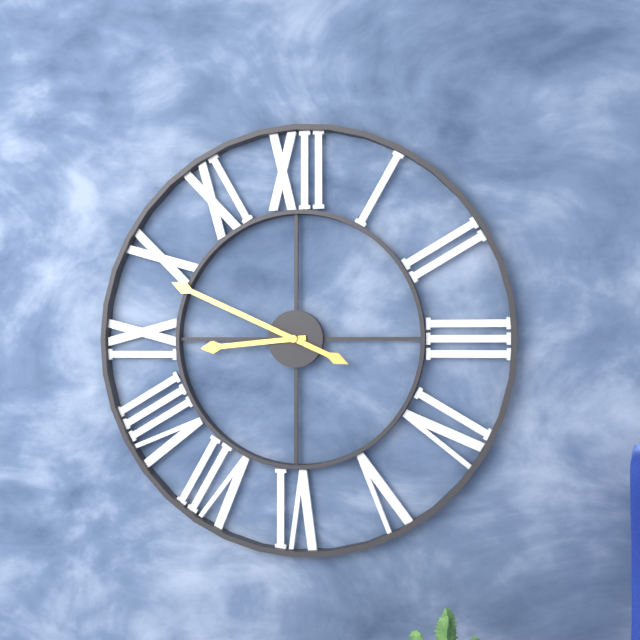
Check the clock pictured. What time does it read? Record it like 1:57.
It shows 8:49
